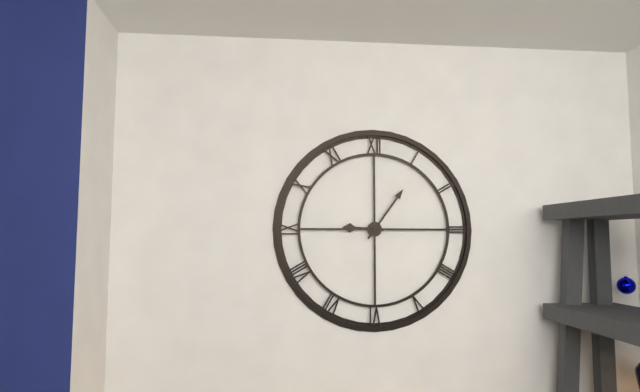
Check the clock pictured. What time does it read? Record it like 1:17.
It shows 9:06
